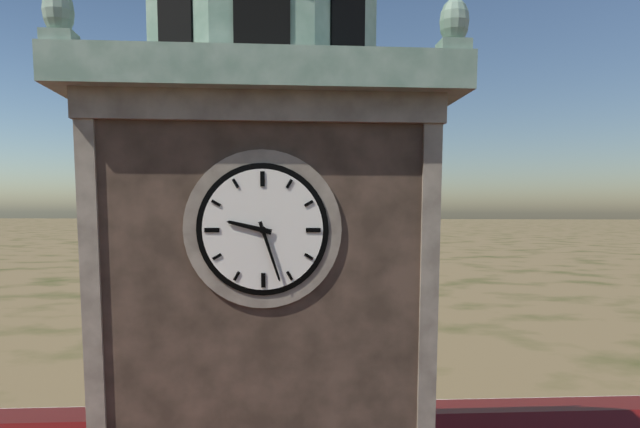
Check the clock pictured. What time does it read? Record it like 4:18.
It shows 9:27
